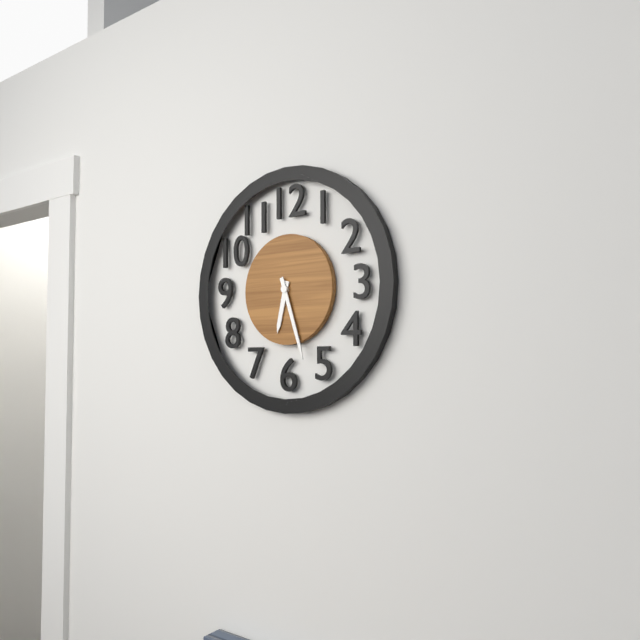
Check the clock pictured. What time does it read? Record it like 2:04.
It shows 6:27
